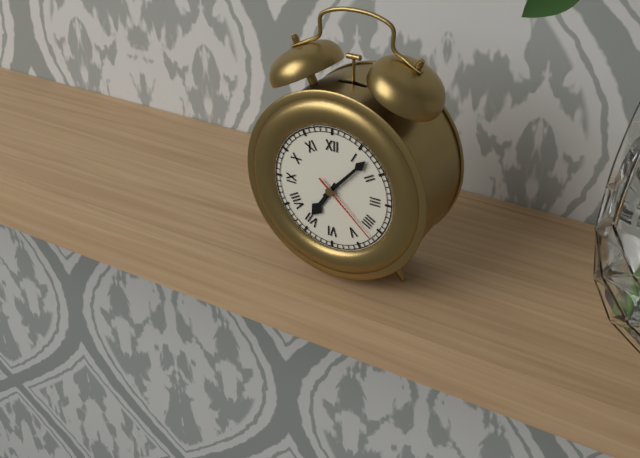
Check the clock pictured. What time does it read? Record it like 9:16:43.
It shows 7:07:22
